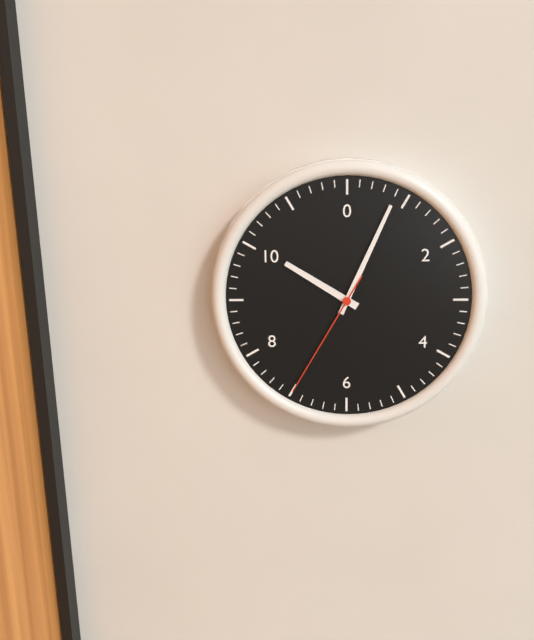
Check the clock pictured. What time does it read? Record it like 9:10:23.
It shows 10:04:35
